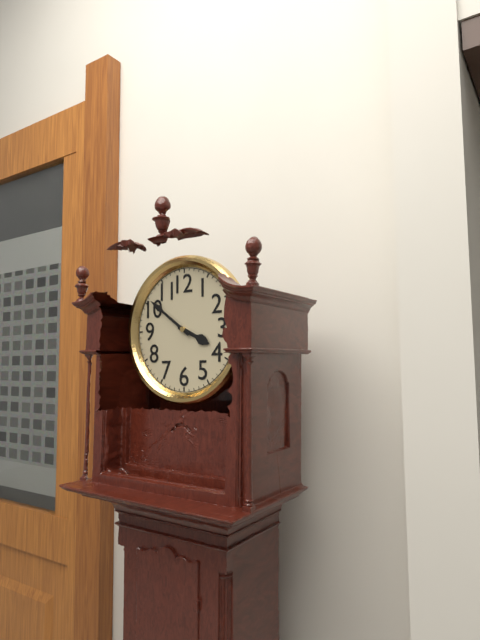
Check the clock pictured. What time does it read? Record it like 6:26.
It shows 3:51
